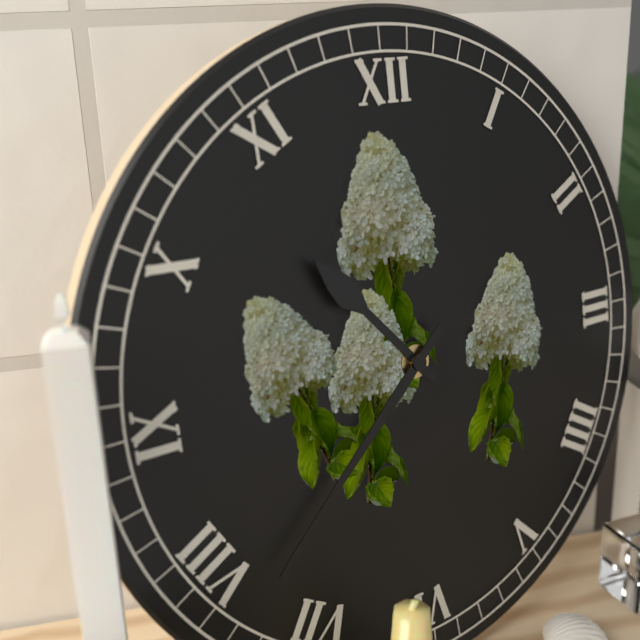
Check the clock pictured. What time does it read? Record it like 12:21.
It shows 10:38
